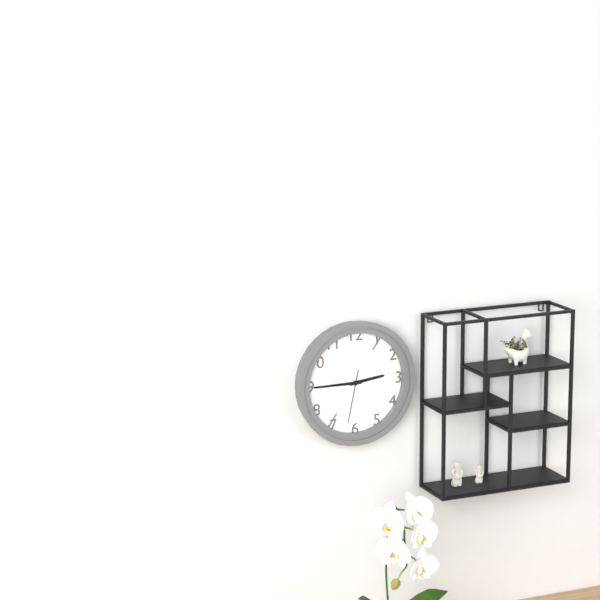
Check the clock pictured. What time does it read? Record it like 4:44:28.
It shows 2:45:32
